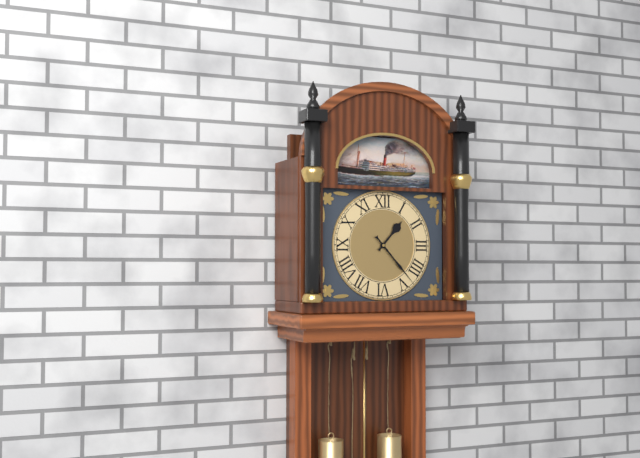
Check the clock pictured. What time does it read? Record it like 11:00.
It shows 1:23
